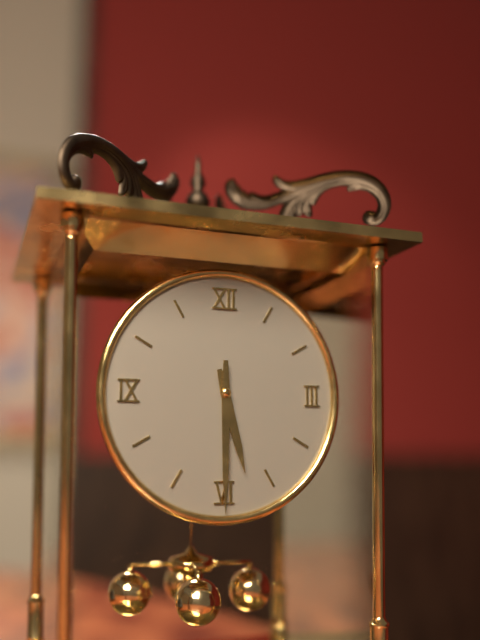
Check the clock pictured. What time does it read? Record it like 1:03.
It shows 5:30
